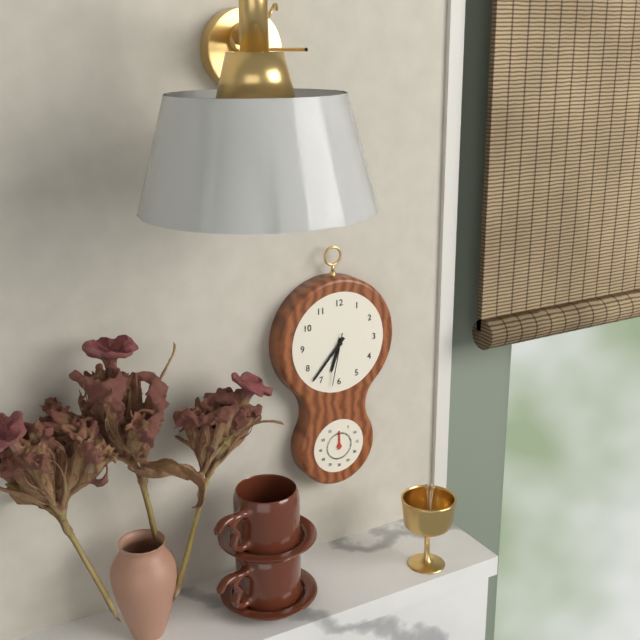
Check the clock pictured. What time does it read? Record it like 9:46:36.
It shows 6:37:32
